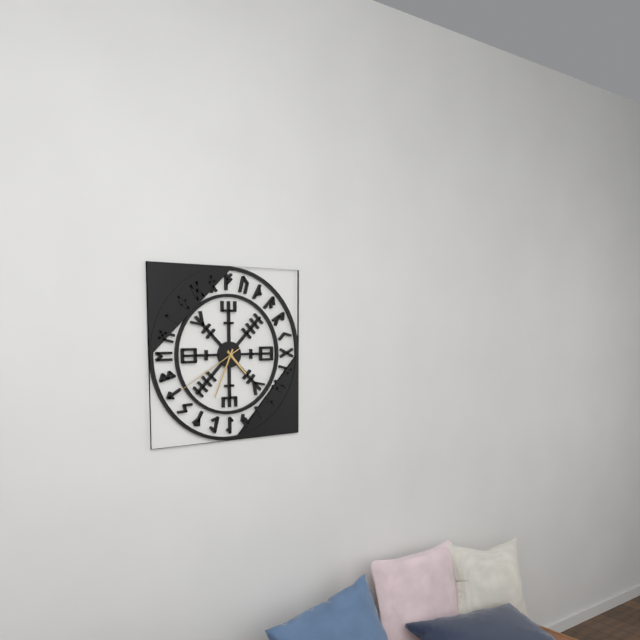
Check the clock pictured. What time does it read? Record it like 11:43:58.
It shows 4:34:40
